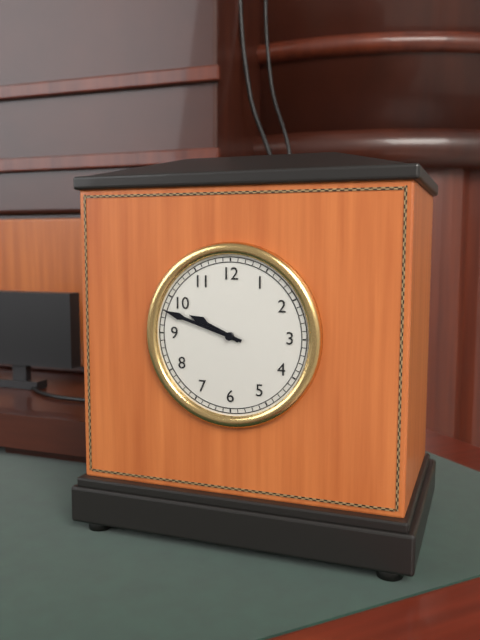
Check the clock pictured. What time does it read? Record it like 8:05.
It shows 9:48
